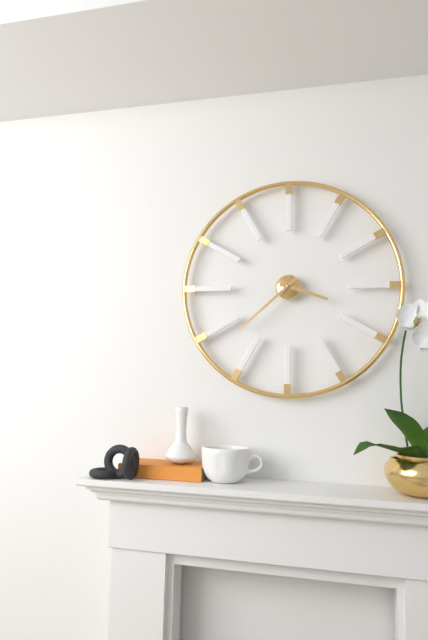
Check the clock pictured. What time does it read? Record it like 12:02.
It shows 3:38
